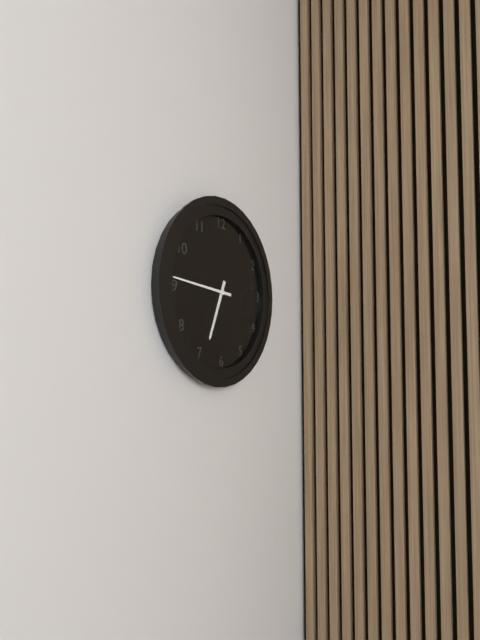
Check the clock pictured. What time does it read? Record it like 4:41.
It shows 6:46
